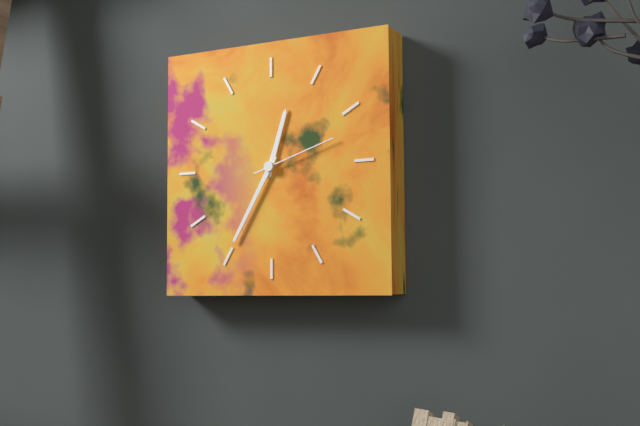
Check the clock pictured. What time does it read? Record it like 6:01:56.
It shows 12:35:12
